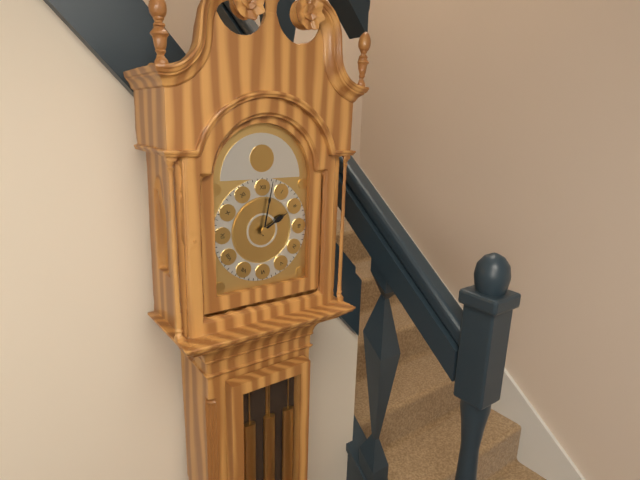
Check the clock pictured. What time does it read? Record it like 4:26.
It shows 2:02
